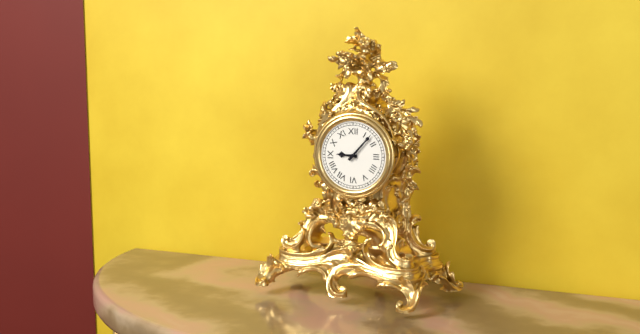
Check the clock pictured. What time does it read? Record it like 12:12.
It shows 9:07
